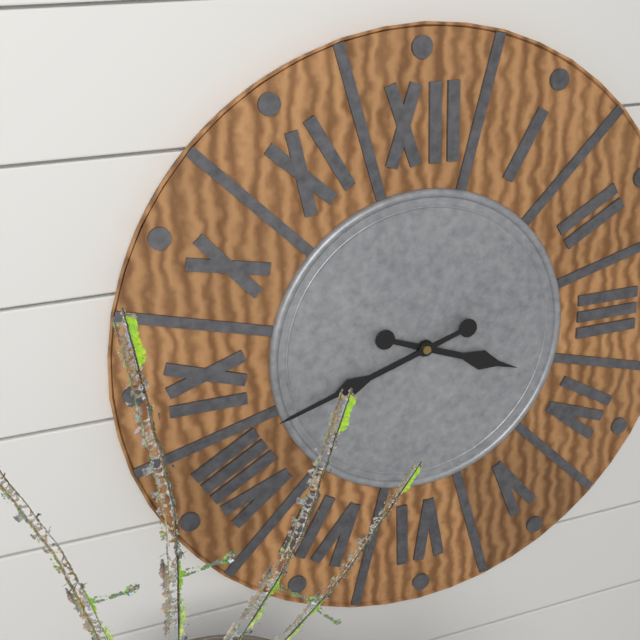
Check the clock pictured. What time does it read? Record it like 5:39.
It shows 3:42
